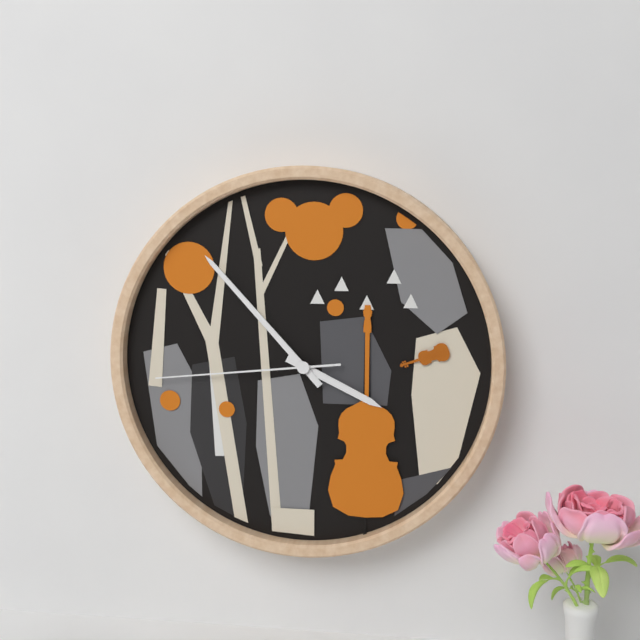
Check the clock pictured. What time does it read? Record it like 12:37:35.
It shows 3:53:44
